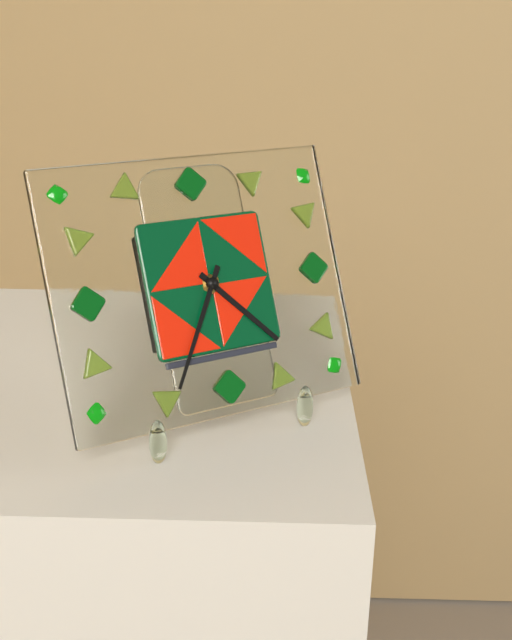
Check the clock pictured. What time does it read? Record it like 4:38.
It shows 4:35
